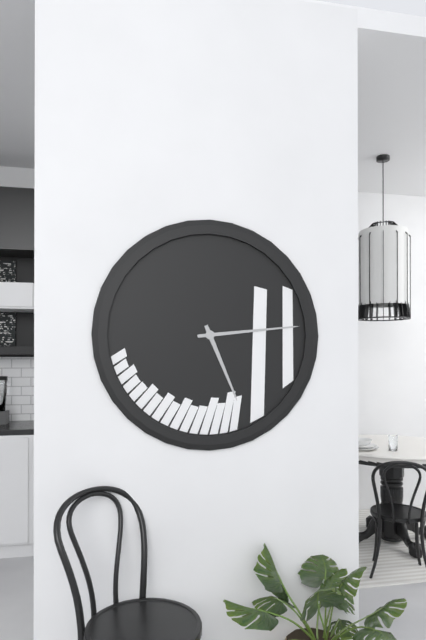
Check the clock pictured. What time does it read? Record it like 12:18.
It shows 5:14
